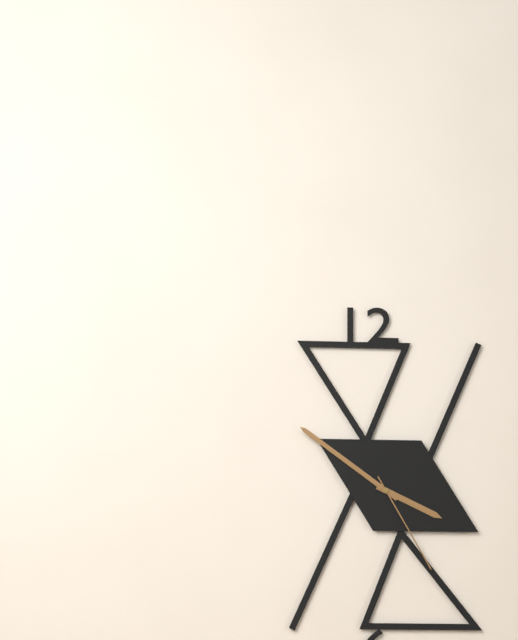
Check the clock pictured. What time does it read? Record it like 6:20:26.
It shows 3:51:25
